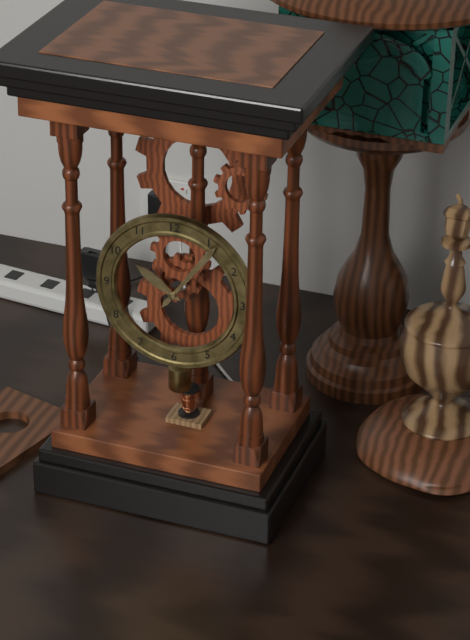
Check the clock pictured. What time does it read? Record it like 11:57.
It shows 10:06
